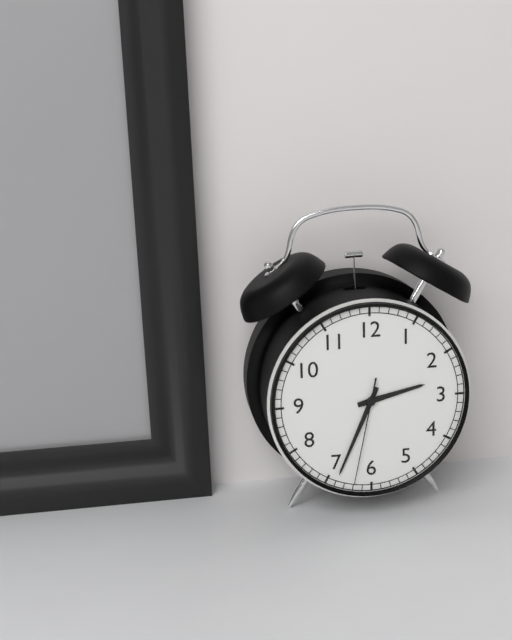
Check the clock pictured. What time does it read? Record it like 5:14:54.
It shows 2:34:32
